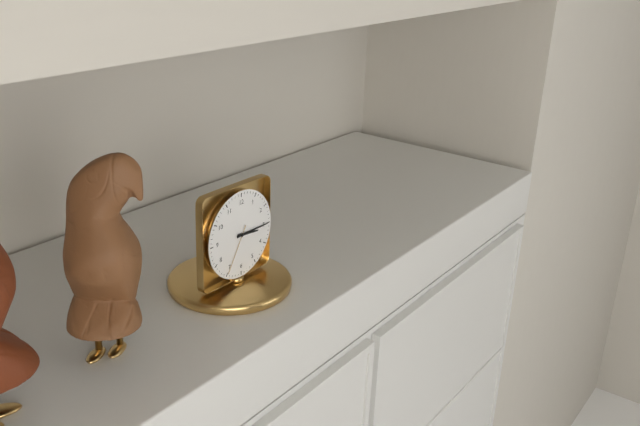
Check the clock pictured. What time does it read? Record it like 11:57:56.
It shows 3:15:35
